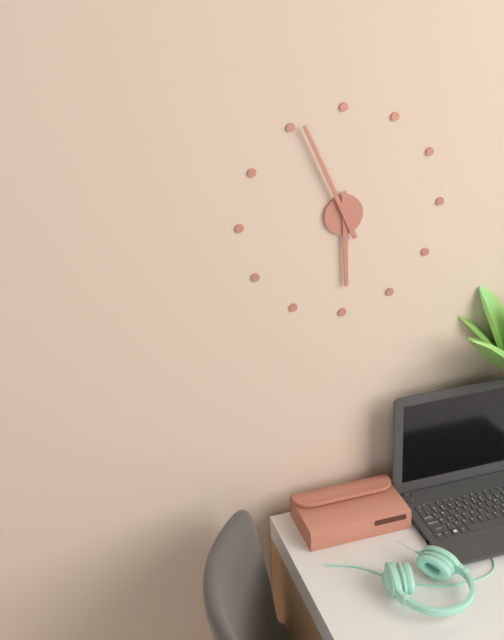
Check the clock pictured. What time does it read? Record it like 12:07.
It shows 5:56
